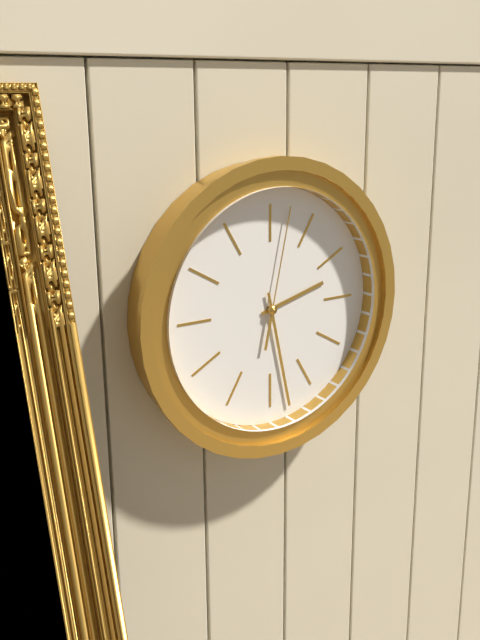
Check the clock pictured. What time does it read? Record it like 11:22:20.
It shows 2:28:02
